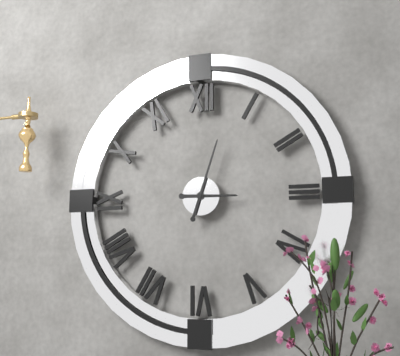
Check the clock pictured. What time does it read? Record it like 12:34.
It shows 3:03
